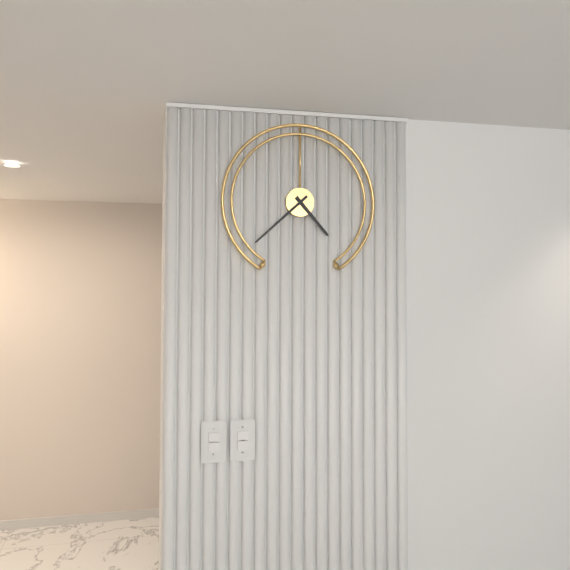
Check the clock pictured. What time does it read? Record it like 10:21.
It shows 4:38
